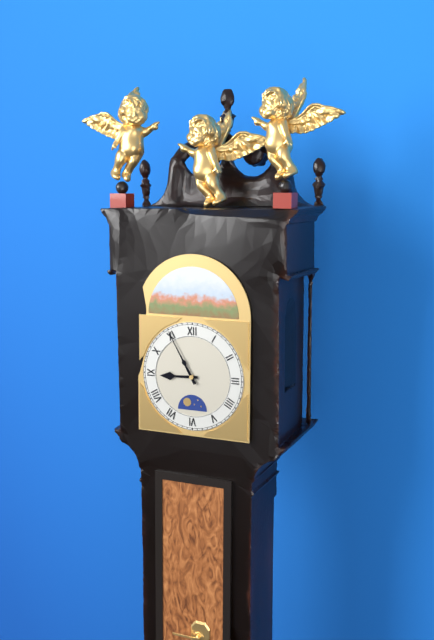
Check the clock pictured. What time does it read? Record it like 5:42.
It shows 8:55
